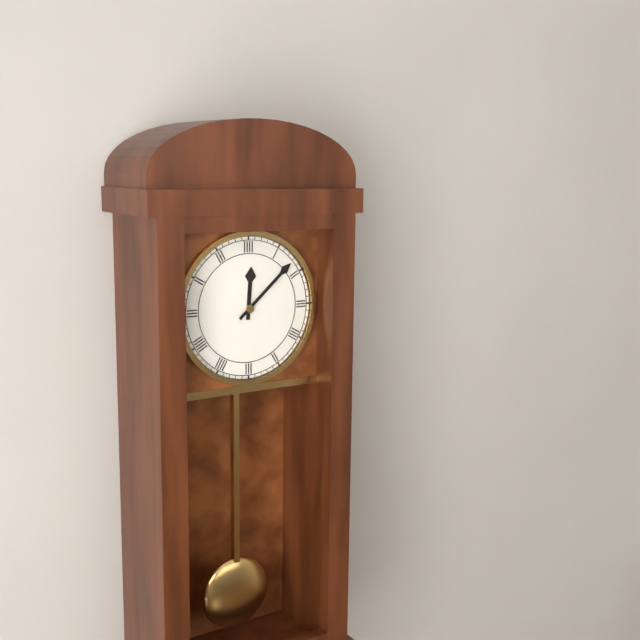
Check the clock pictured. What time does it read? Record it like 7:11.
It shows 12:08
